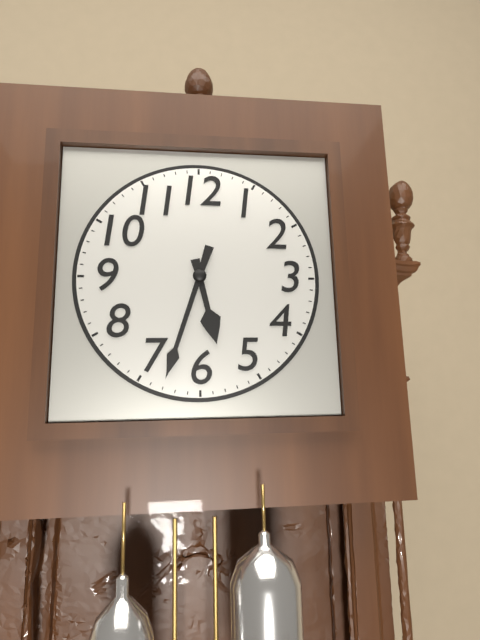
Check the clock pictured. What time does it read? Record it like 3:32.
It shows 5:33
